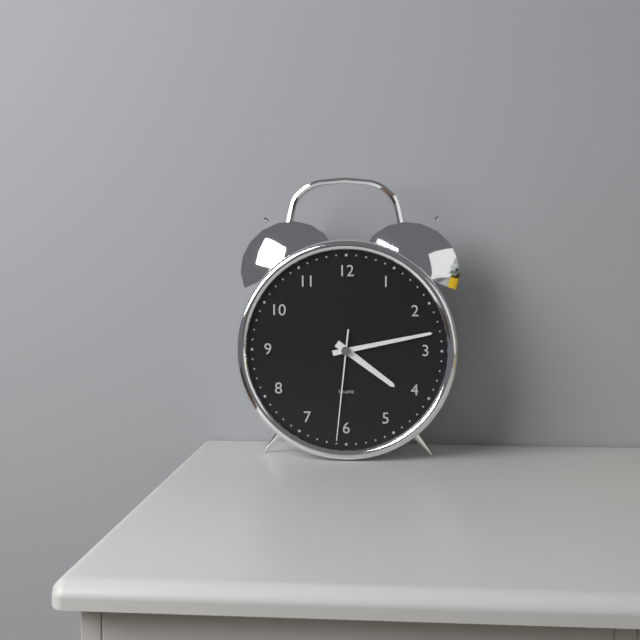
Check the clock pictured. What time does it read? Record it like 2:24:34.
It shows 4:13:31
